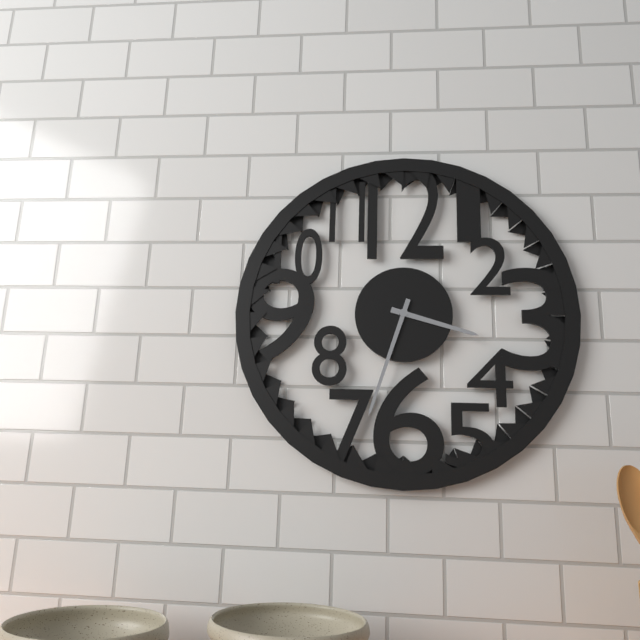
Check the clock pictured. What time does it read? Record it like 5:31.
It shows 3:33
